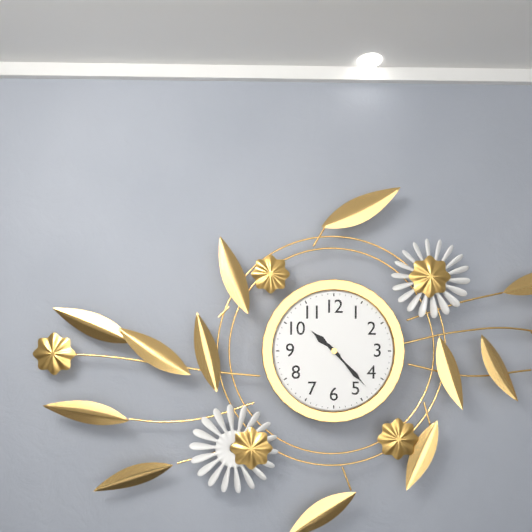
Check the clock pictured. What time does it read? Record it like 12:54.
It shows 10:23
